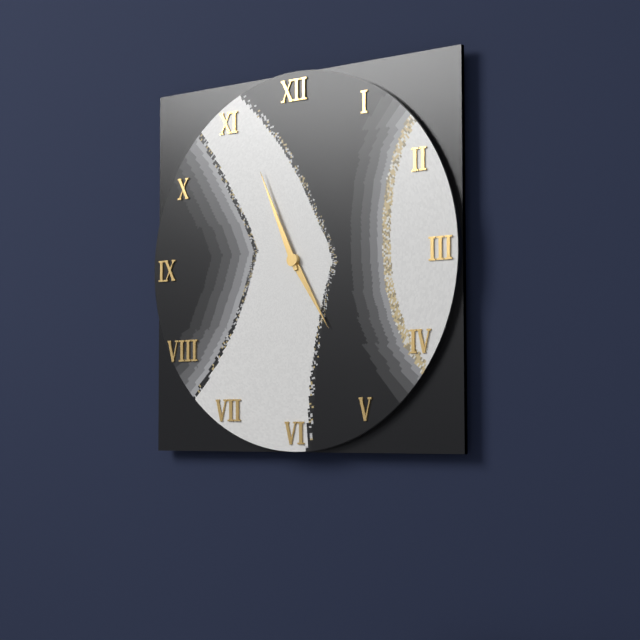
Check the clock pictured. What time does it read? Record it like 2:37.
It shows 4:56
